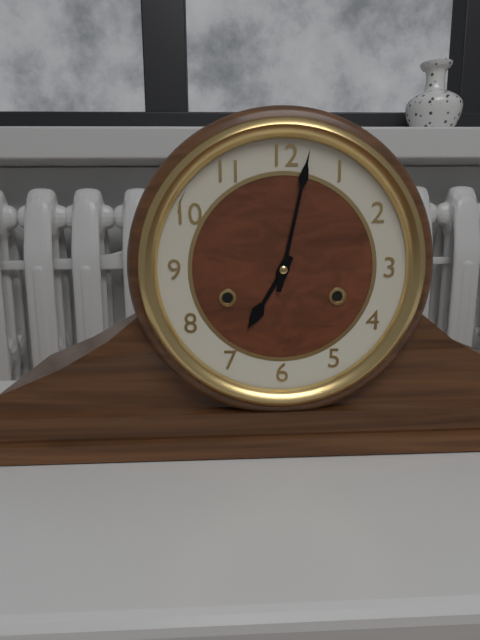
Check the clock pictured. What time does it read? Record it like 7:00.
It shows 7:02
